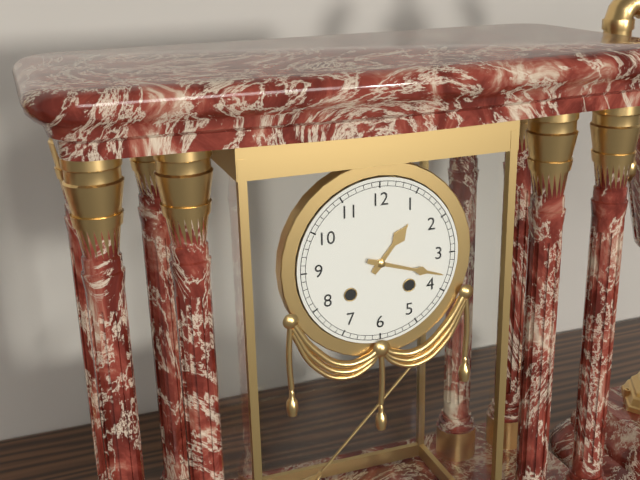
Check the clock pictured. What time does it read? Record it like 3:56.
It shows 1:18
